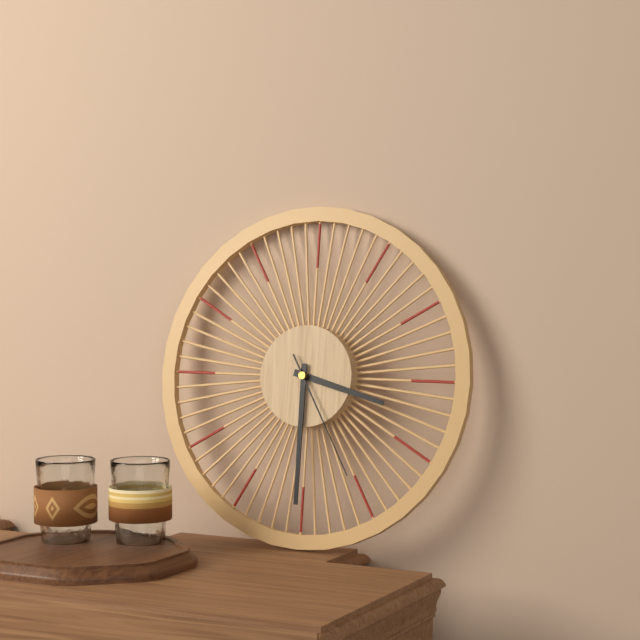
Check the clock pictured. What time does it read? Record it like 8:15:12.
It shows 3:30:25
